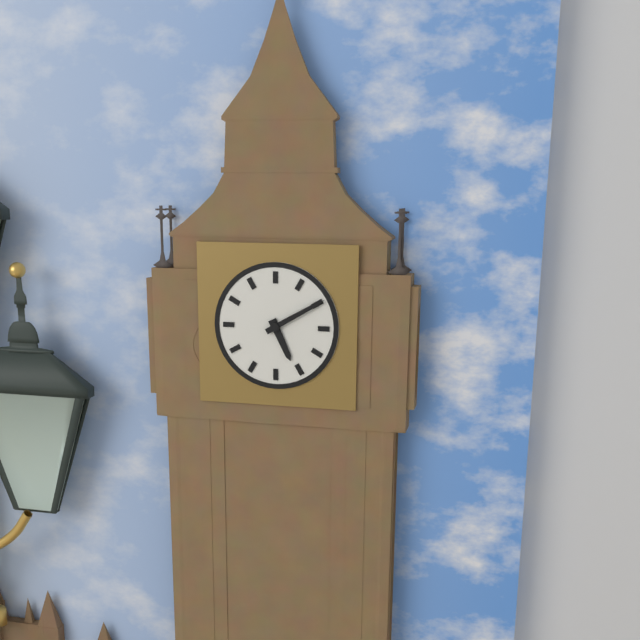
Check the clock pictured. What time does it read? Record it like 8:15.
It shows 5:10
